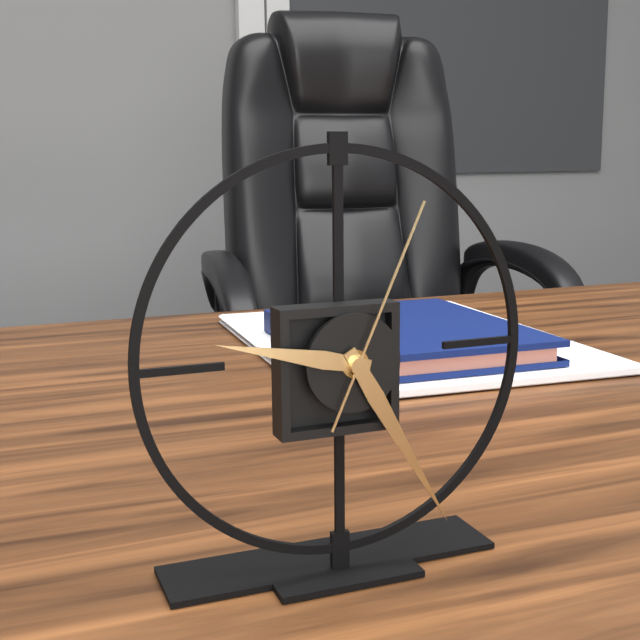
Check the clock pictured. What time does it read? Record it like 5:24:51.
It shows 9:25:04
